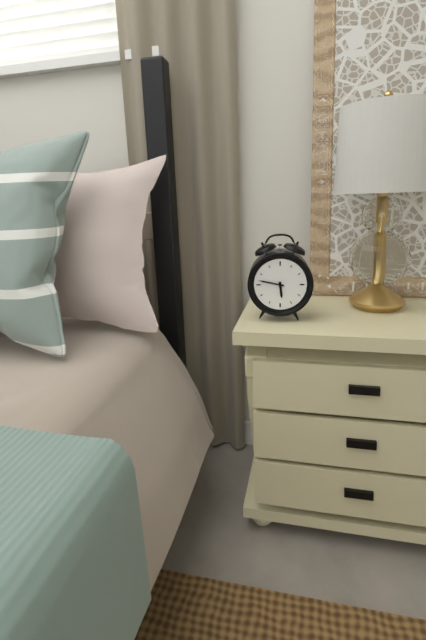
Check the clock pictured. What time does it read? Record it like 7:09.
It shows 5:47
